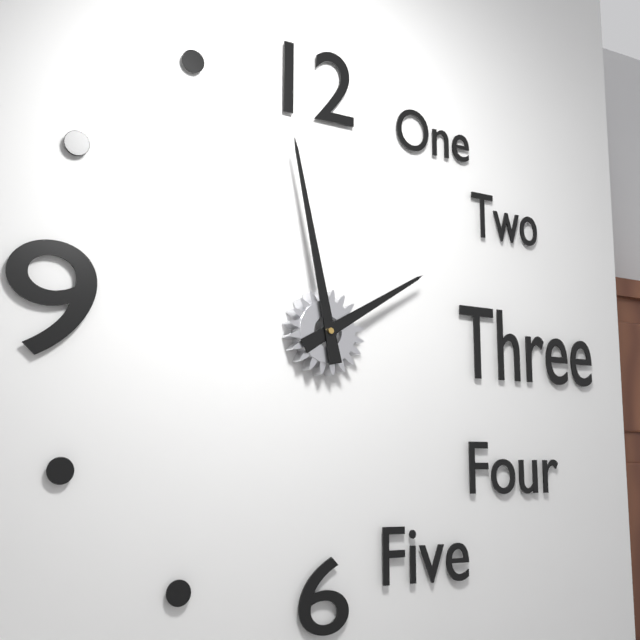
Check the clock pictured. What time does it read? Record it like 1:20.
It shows 1:58
